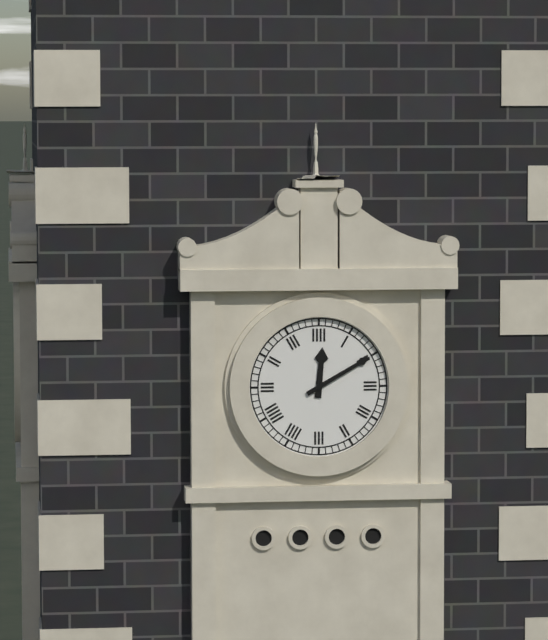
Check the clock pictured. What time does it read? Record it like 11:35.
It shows 12:10
